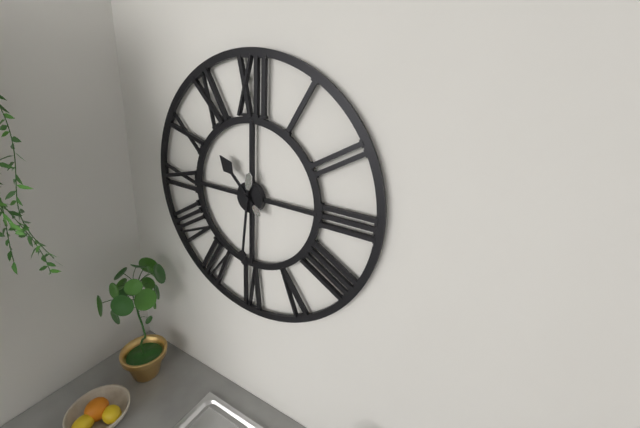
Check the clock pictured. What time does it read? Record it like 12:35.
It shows 10:31
